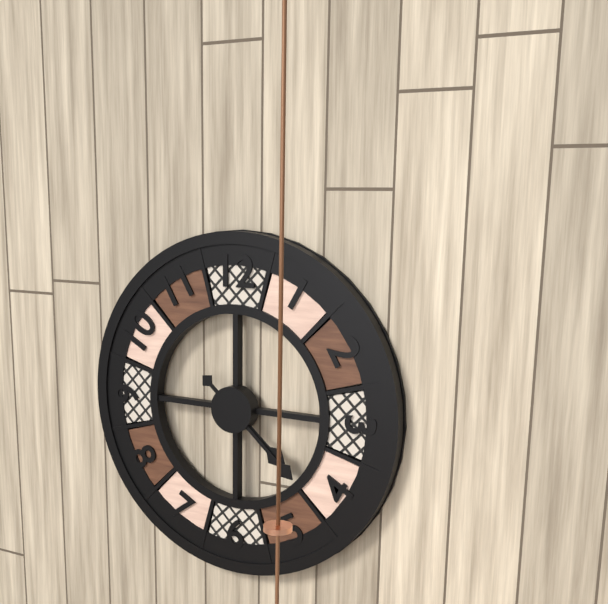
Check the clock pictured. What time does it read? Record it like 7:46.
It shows 4:22
